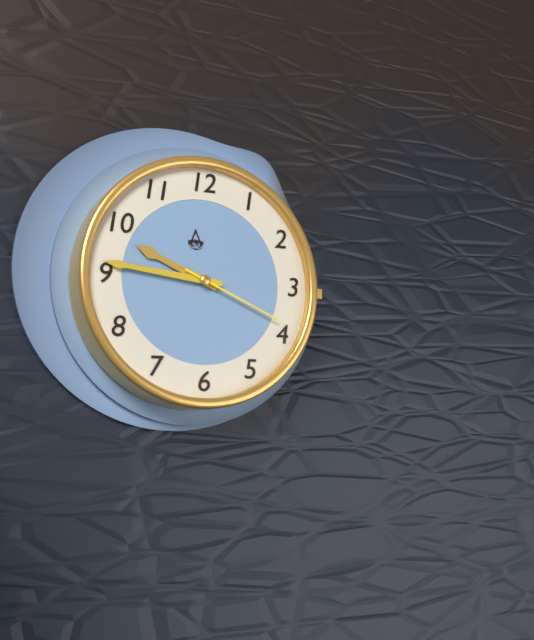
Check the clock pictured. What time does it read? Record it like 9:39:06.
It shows 9:46:19
